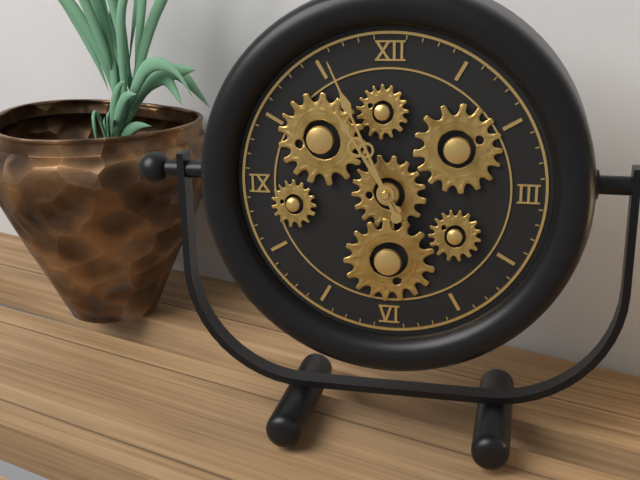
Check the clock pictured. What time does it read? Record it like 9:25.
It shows 10:56
